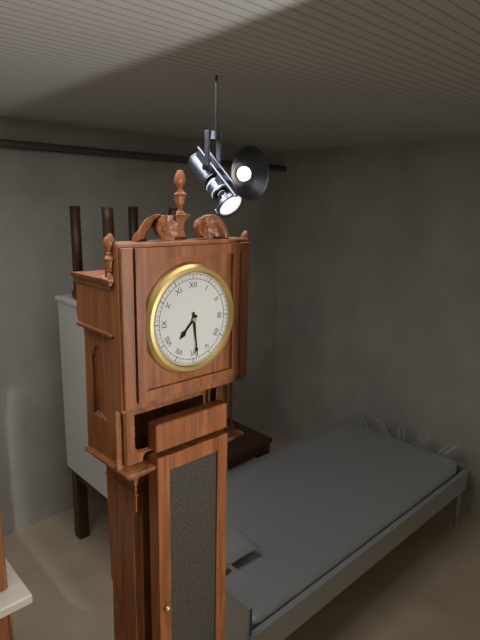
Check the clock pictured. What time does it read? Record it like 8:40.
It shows 7:29
